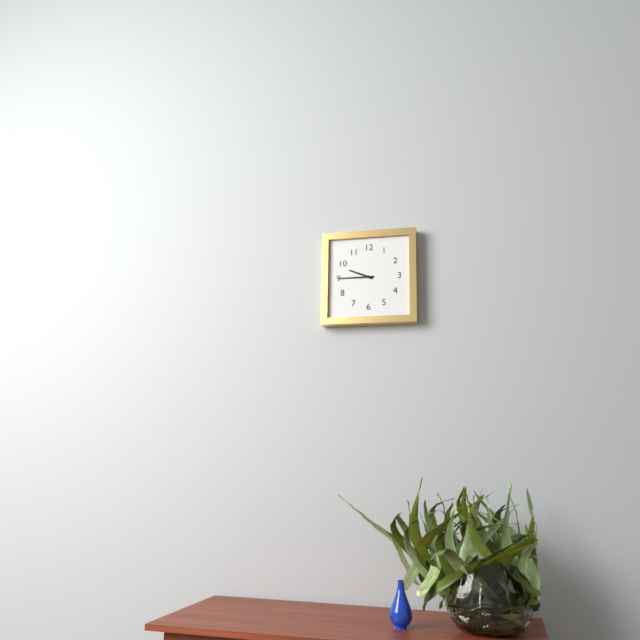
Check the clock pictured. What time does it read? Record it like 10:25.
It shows 9:45
